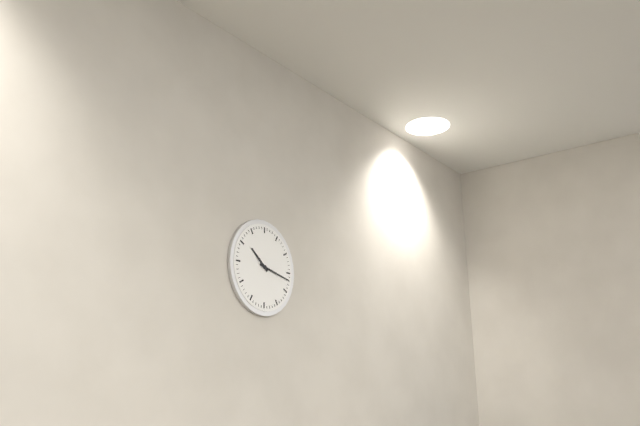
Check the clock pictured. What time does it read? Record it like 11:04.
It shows 10:17
